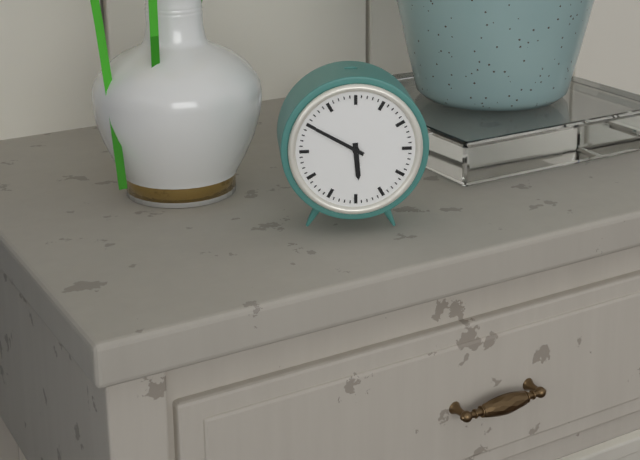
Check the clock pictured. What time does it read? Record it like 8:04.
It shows 5:50
